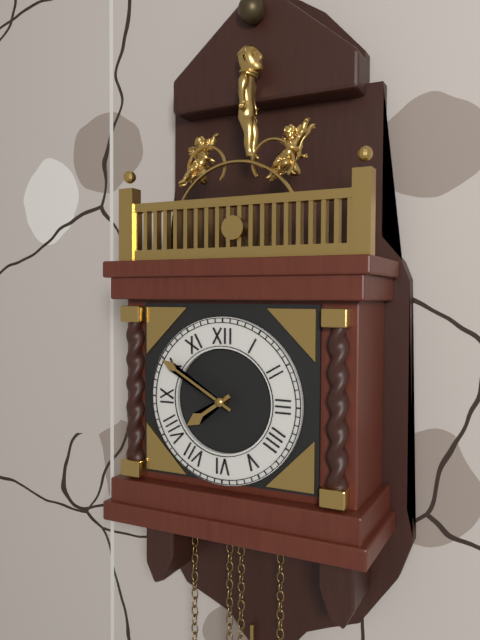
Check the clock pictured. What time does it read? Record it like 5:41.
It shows 7:50
